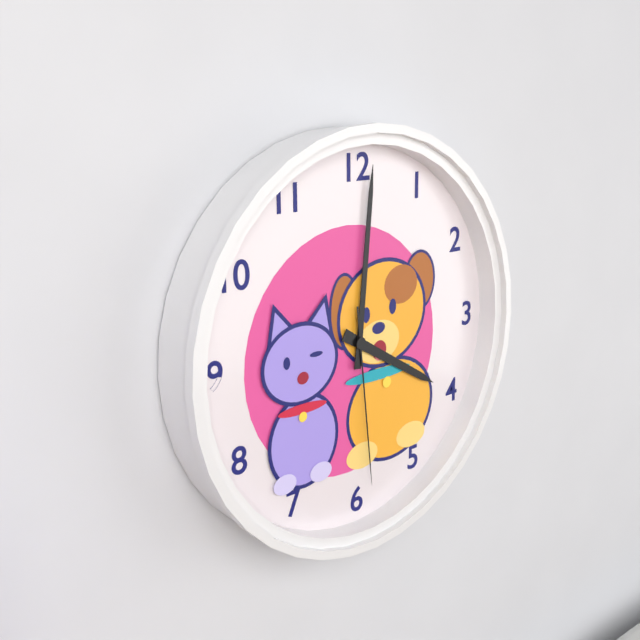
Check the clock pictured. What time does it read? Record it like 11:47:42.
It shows 4:01:29
